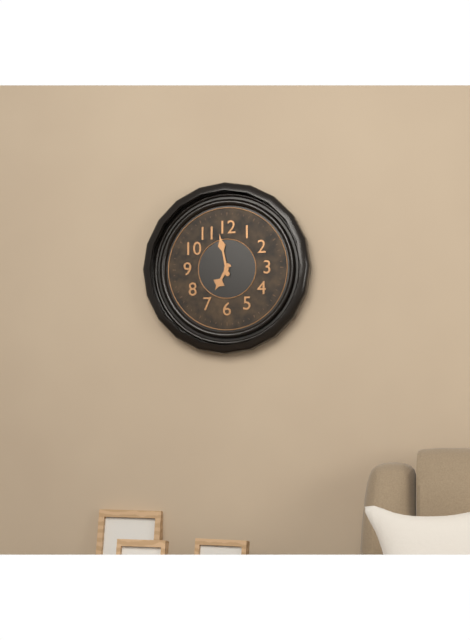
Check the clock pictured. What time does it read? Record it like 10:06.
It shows 6:58
